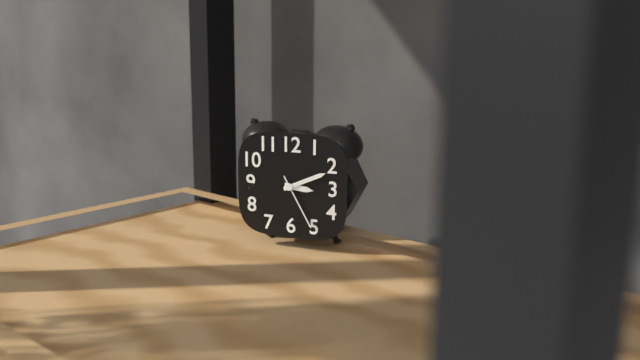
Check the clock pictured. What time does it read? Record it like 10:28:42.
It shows 3:11:25
